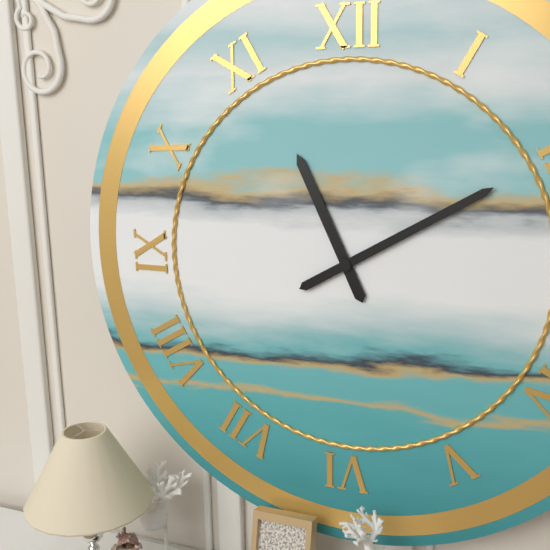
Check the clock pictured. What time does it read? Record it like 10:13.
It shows 11:10
